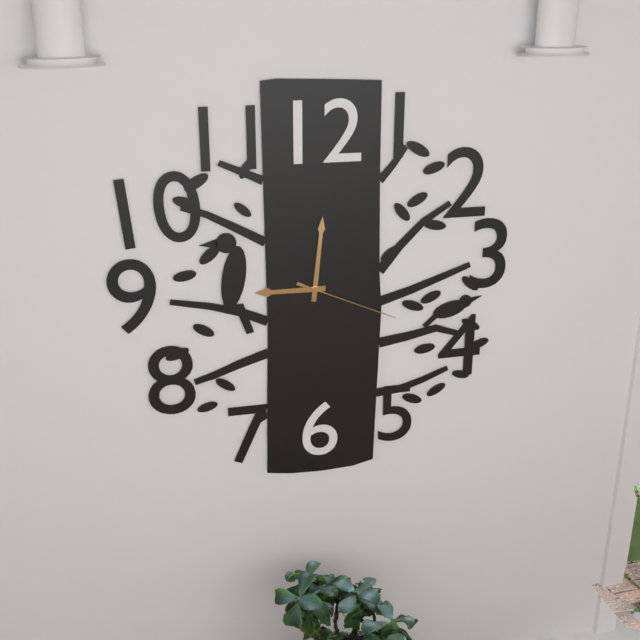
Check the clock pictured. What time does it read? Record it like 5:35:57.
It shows 9:01:19
